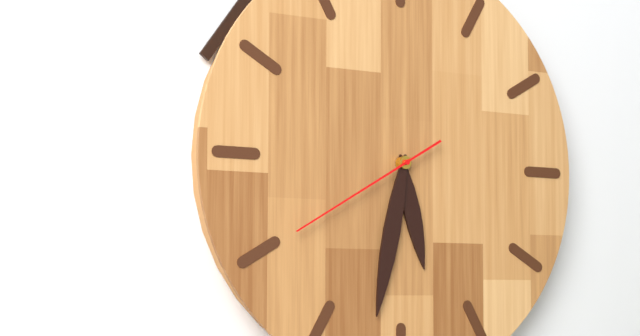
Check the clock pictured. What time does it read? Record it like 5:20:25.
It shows 5:32:40
